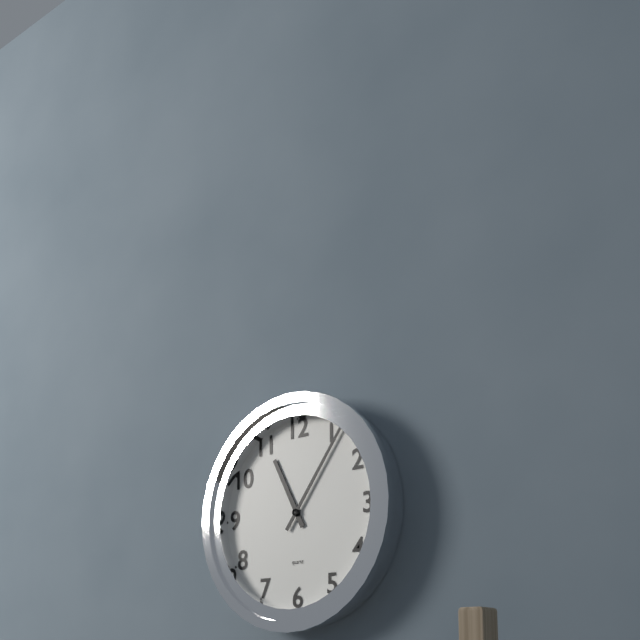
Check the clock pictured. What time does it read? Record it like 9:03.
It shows 11:06
